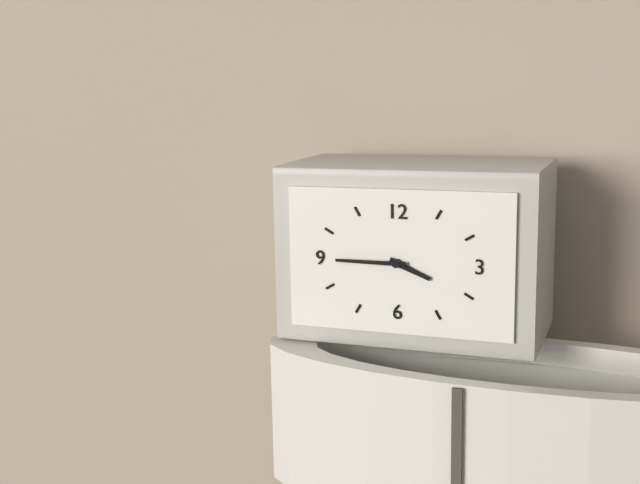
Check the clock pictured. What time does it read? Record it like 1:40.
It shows 3:45
